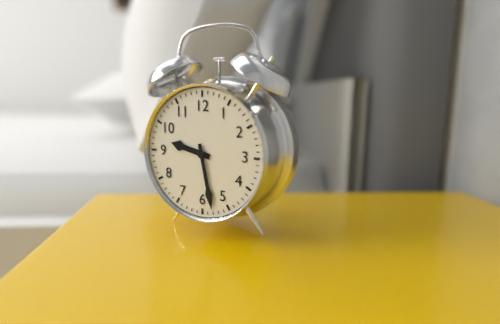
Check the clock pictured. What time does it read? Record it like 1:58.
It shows 9:28
